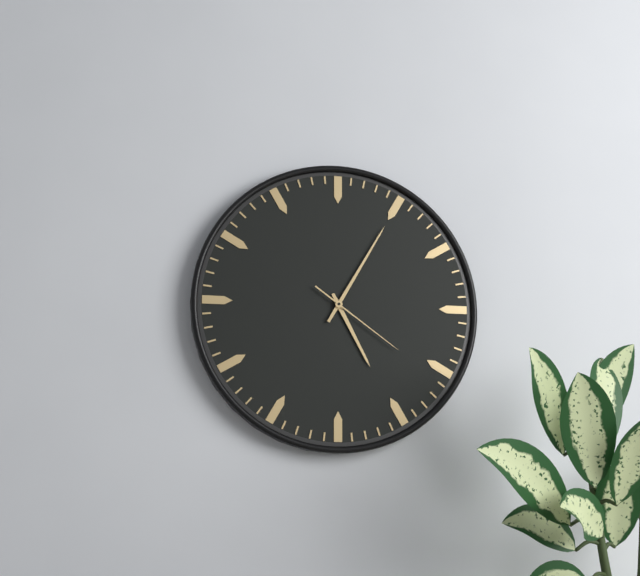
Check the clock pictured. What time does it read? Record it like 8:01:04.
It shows 5:05:21
